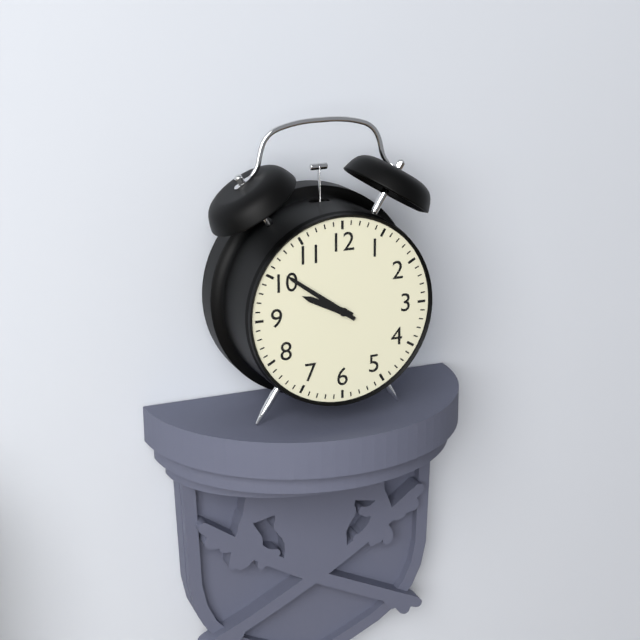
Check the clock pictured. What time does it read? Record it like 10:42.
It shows 9:51
